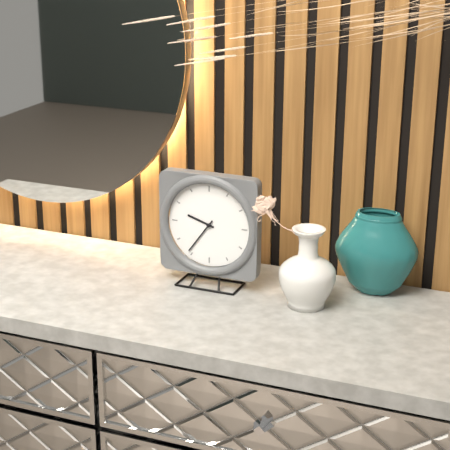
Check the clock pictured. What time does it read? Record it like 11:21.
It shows 9:36
